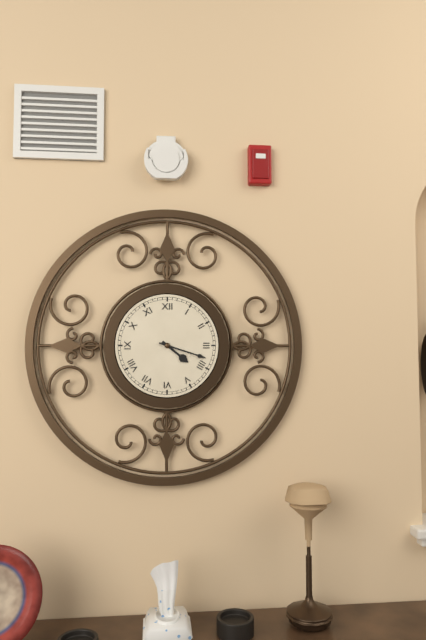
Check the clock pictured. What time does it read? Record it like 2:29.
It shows 4:18
